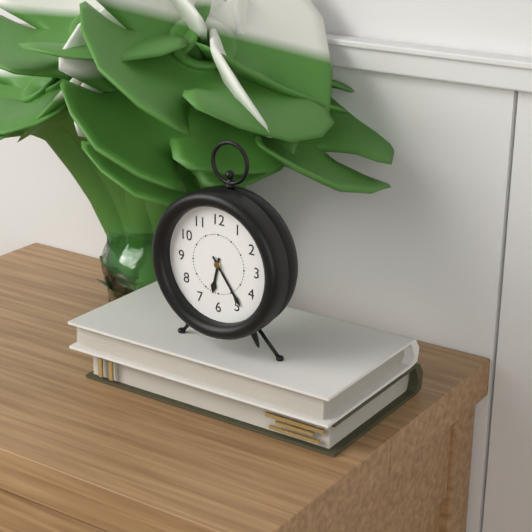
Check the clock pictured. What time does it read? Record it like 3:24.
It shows 6:24
